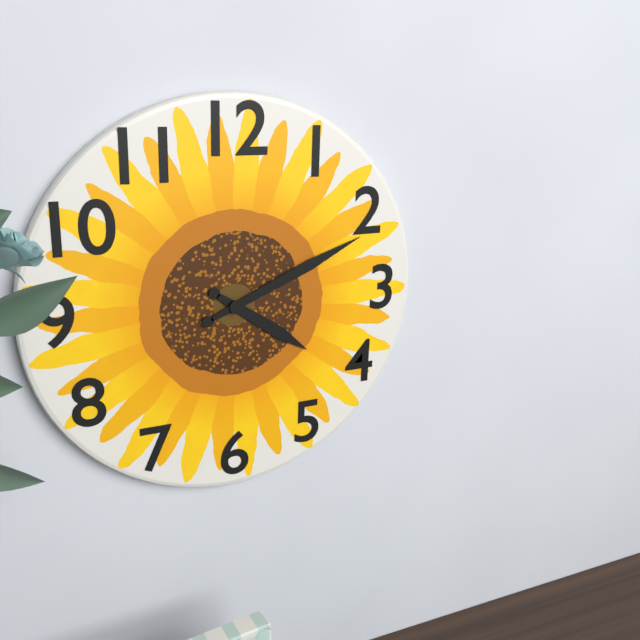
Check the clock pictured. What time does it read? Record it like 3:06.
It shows 4:11
